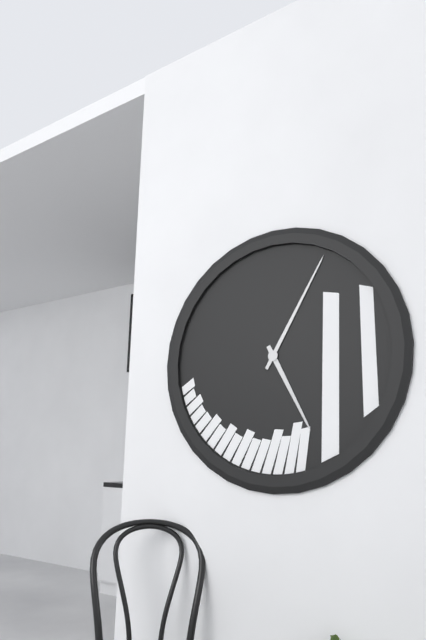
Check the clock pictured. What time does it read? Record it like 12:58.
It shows 5:05
